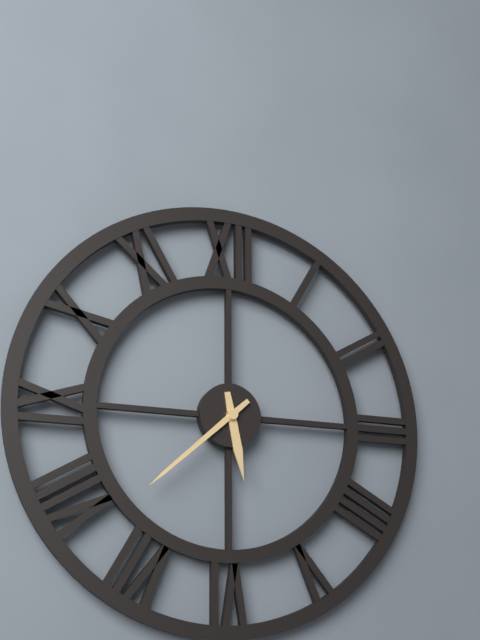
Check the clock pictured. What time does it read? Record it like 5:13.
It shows 5:38
